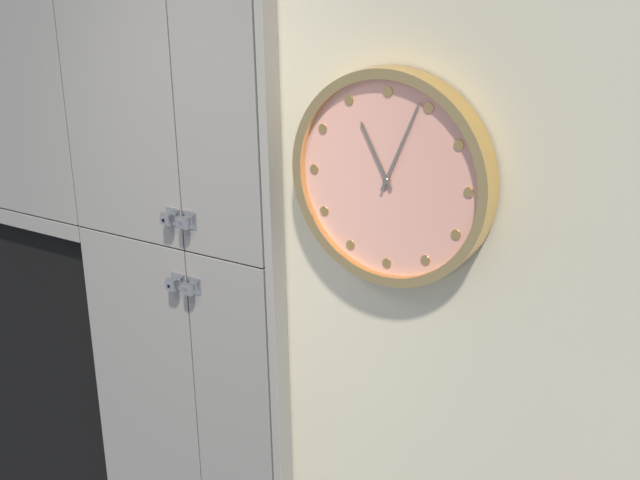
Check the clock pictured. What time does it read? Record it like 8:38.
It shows 11:04
